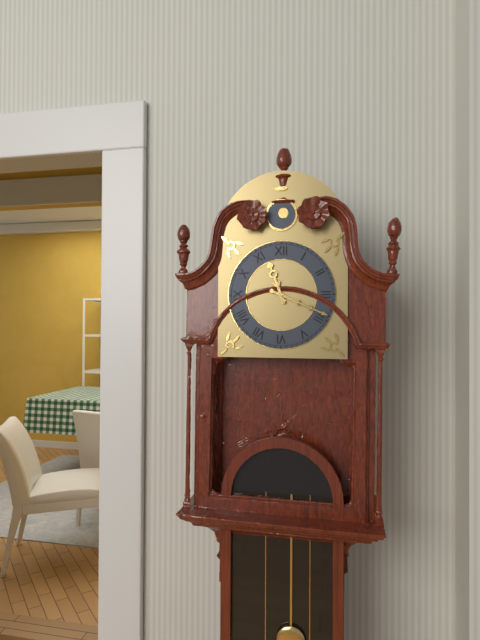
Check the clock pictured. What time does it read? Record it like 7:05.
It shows 11:19
